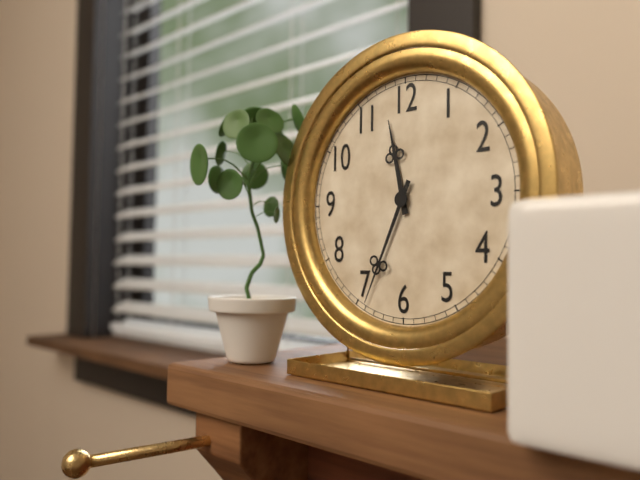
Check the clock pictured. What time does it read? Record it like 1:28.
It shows 11:34
